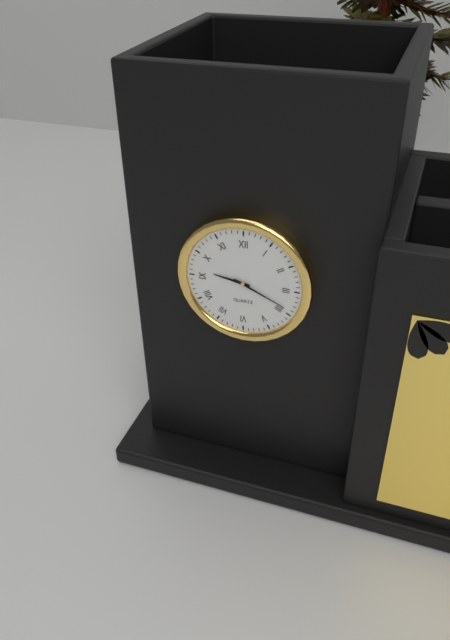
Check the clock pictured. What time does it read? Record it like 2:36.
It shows 9:19
